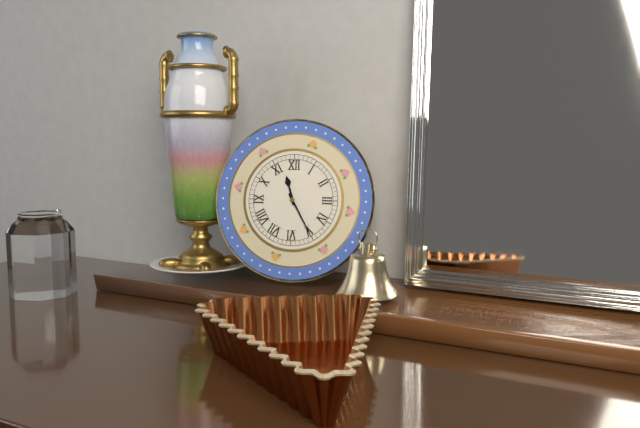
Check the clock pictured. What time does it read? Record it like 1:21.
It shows 11:25
